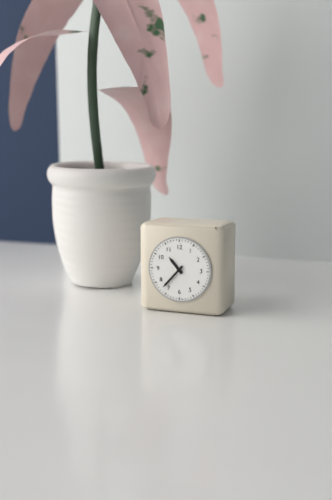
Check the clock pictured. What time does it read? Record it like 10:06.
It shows 10:37
